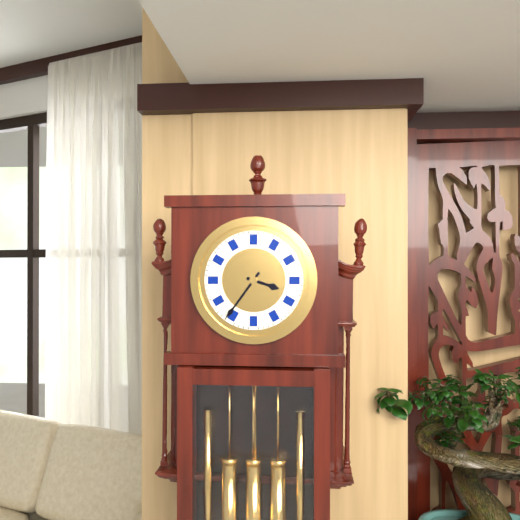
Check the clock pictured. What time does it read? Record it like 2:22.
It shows 3:36
